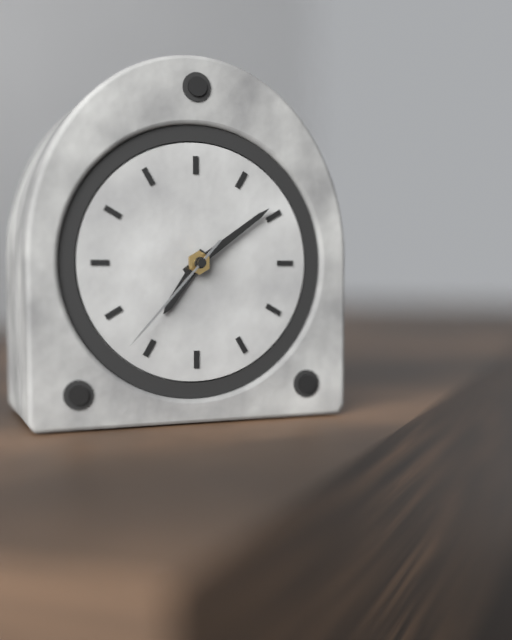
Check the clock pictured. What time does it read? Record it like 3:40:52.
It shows 7:09:37
